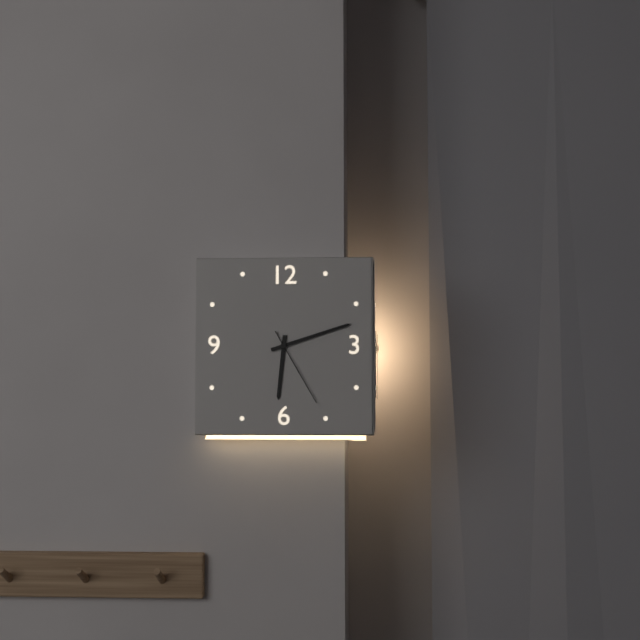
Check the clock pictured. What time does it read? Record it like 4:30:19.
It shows 6:12:25
